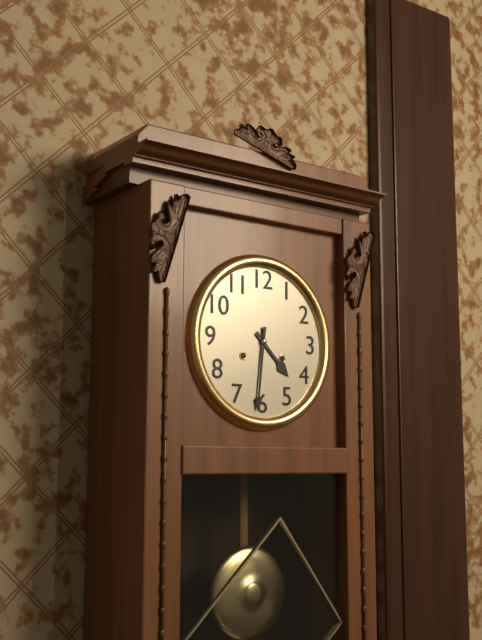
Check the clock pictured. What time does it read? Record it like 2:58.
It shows 4:31
